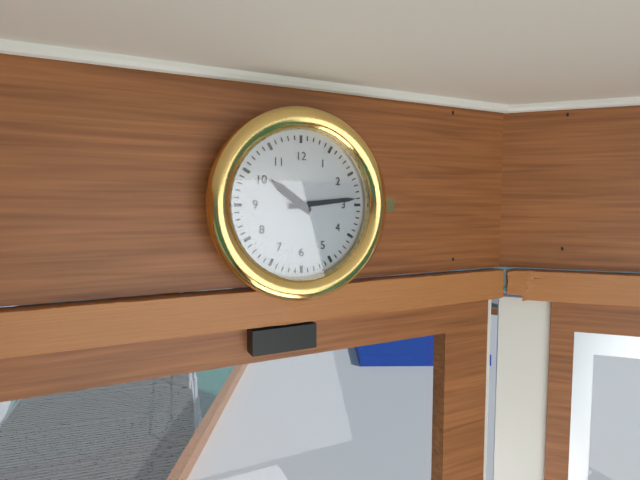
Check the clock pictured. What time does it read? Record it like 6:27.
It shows 10:14
